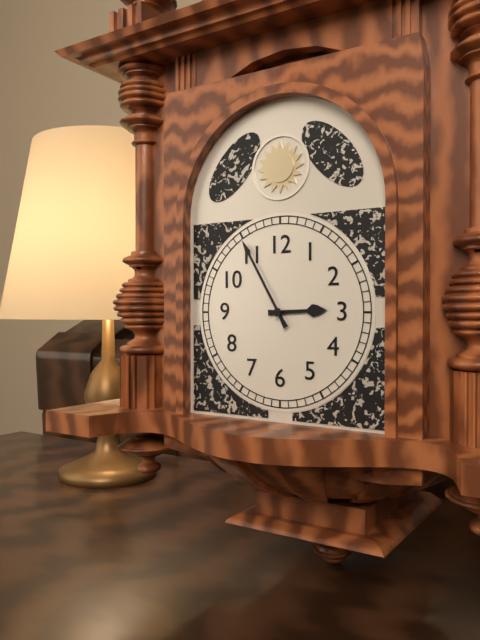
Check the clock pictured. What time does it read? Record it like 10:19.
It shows 2:55
